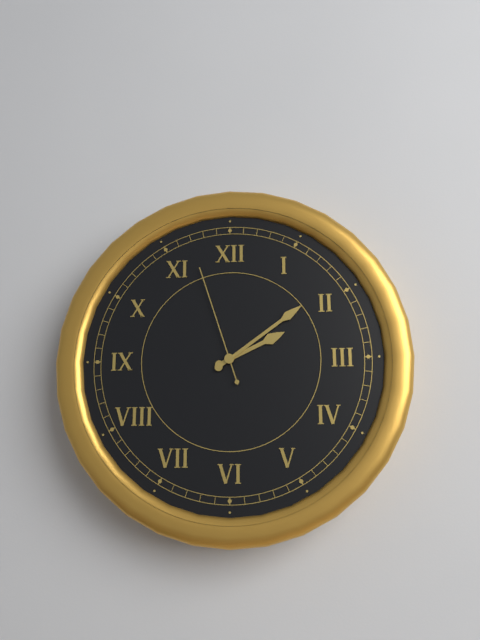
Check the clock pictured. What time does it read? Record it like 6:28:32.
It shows 2:09:57
